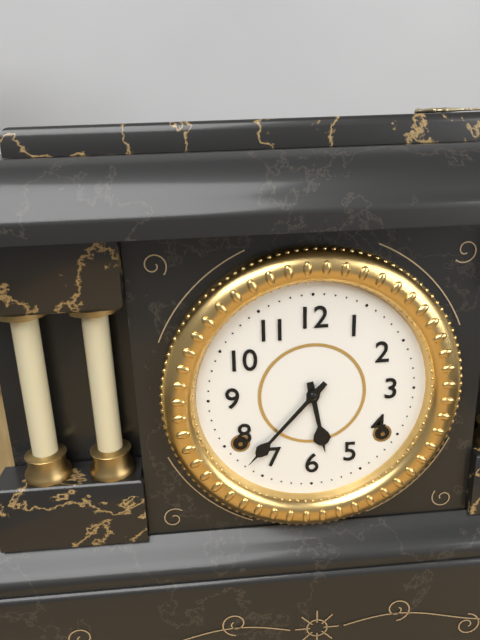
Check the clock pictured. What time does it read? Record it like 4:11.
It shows 5:37
